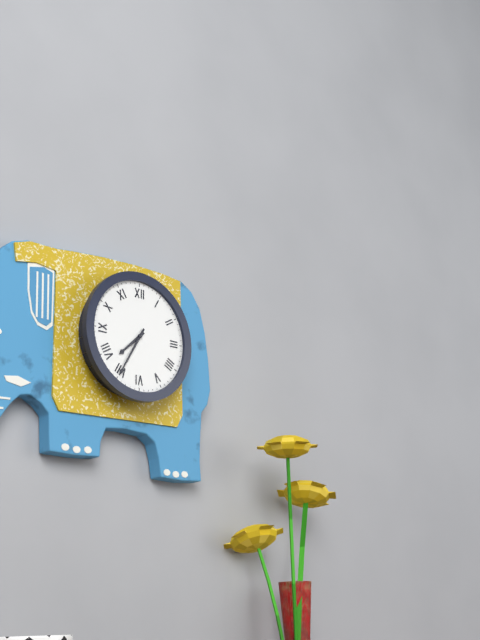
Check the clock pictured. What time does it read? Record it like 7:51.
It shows 7:35
